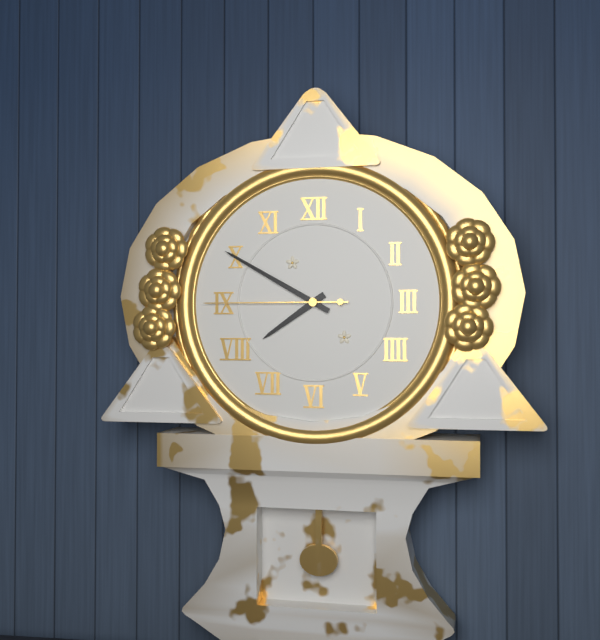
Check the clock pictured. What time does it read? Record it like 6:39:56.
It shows 7:50:45
